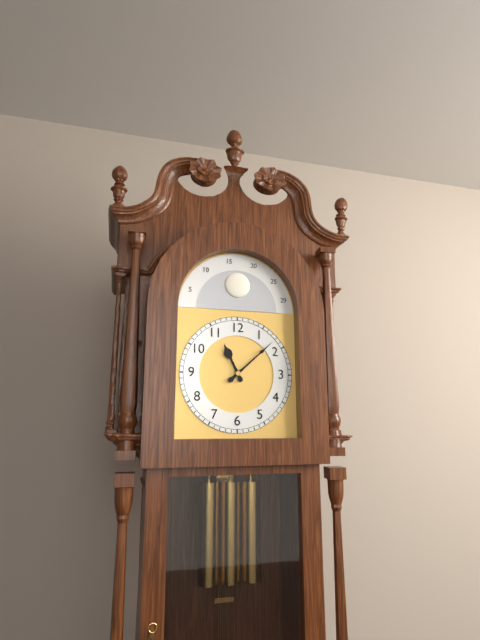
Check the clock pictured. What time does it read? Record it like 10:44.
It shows 11:08
